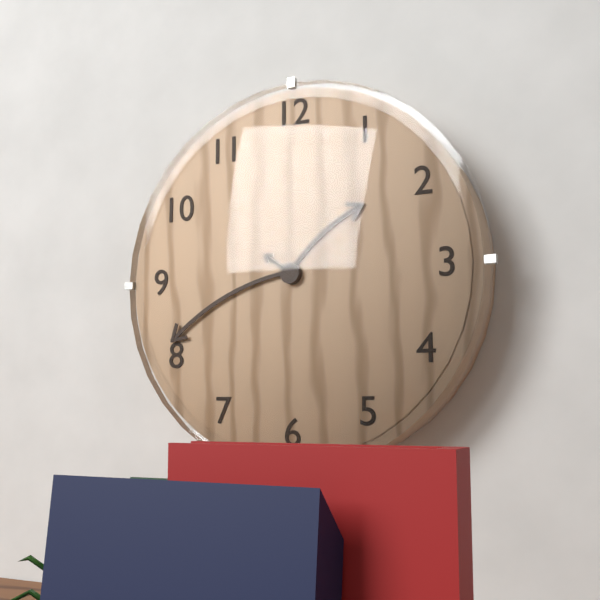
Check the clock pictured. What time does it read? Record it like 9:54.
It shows 1:41
